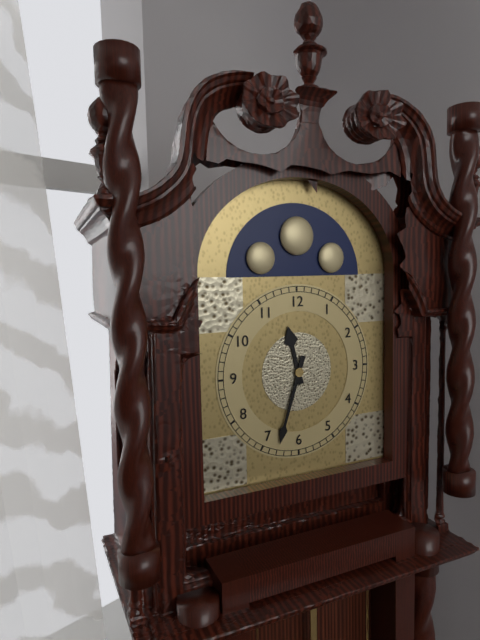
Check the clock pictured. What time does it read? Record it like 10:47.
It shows 11:33
